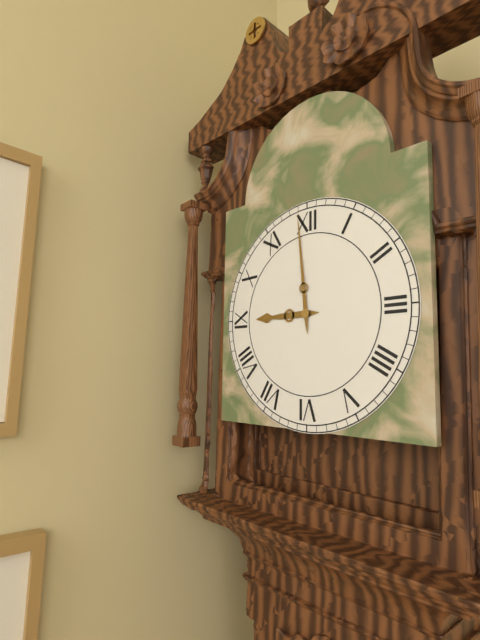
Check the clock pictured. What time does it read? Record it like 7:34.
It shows 8:59
